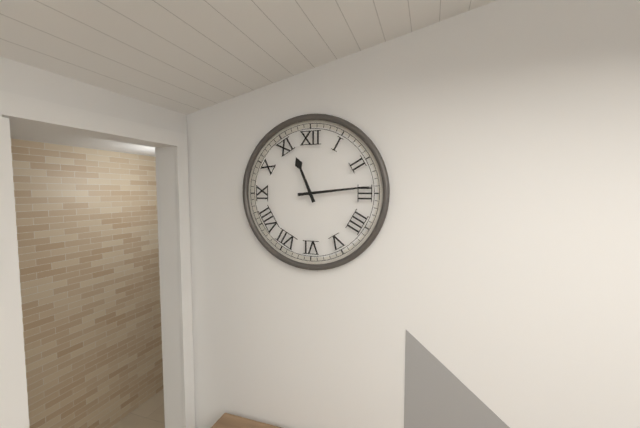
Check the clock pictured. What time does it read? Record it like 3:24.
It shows 11:14
